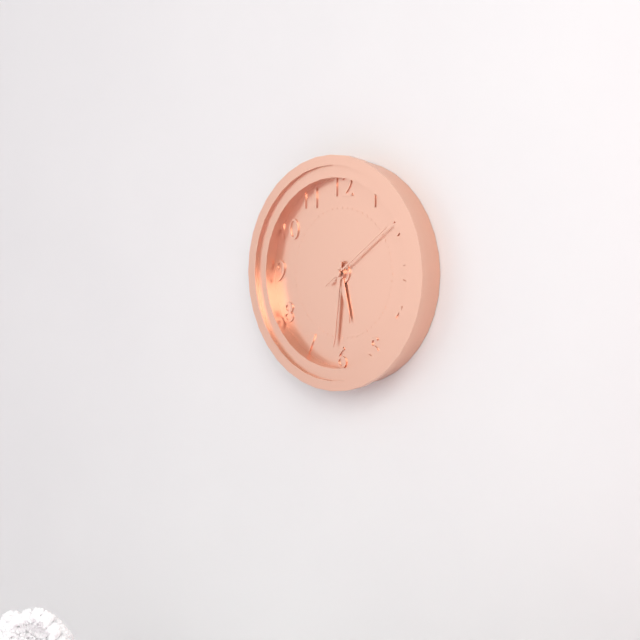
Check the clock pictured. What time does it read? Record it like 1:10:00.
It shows 5:31:09
